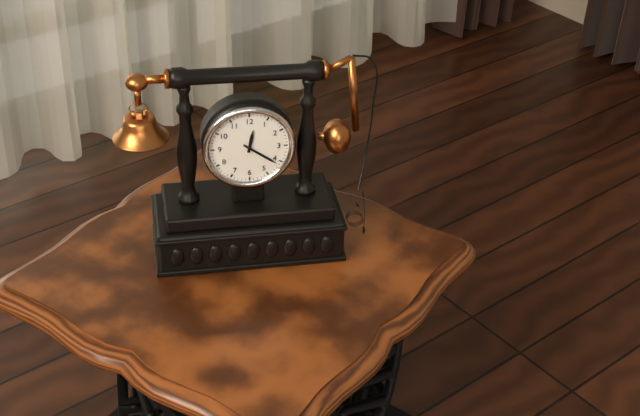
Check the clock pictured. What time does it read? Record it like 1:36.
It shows 12:21
